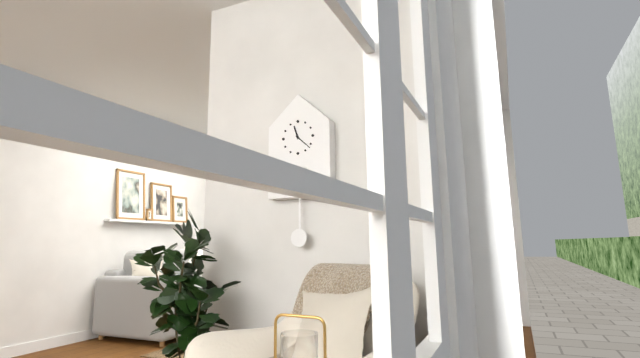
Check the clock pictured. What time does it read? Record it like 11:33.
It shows 11:22
